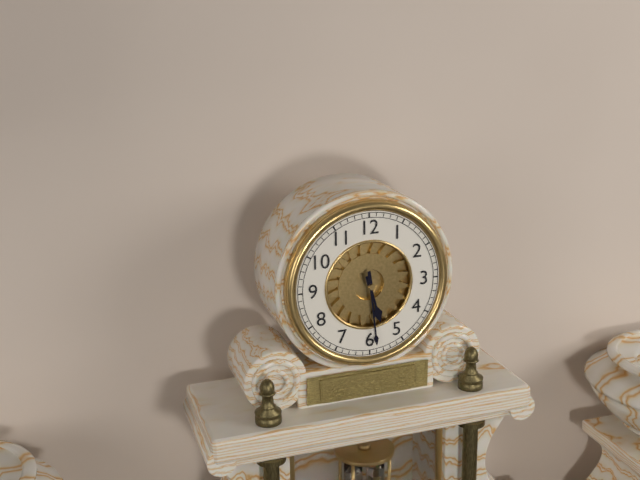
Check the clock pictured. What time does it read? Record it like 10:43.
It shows 5:29
